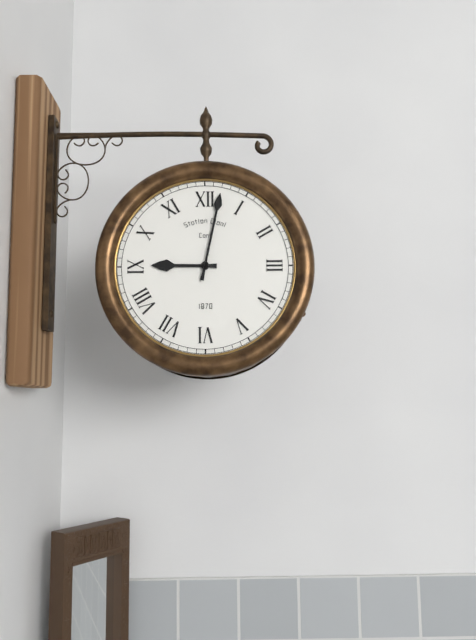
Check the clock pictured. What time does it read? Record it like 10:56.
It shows 9:02
